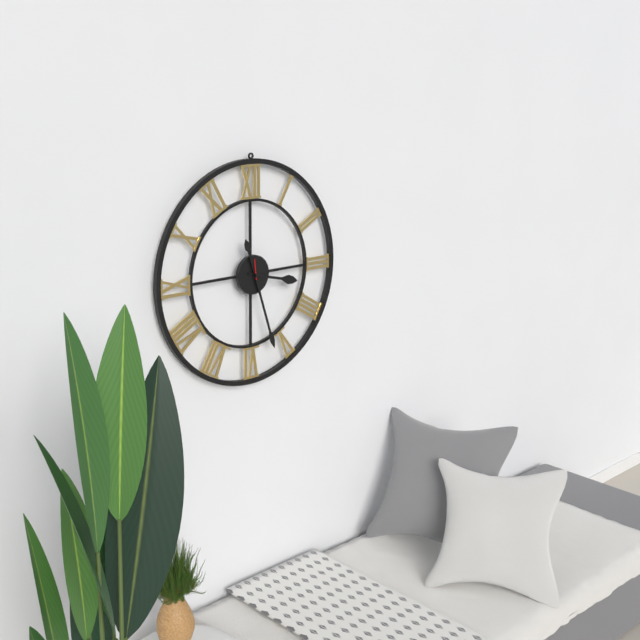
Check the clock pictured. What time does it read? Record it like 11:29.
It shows 3:27
